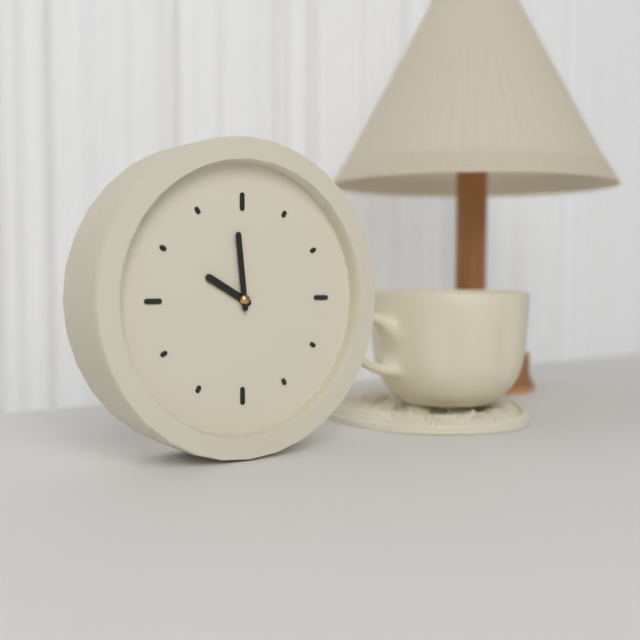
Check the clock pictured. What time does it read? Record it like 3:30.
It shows 9:59
